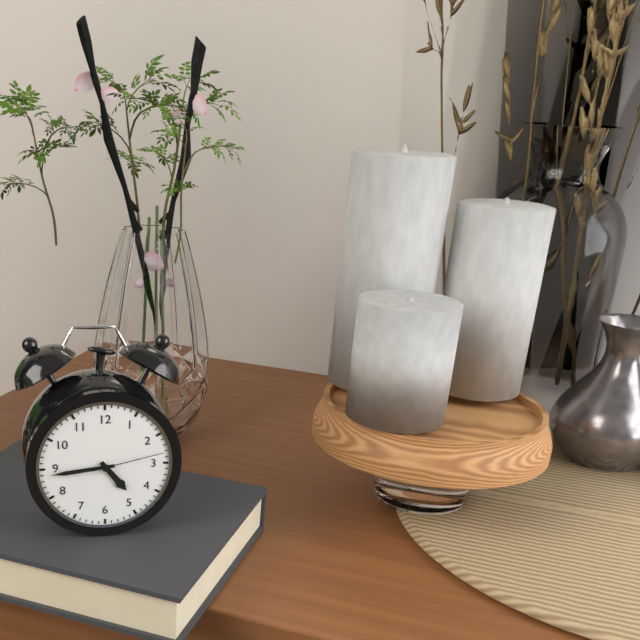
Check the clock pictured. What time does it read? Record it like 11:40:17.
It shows 4:44:13
